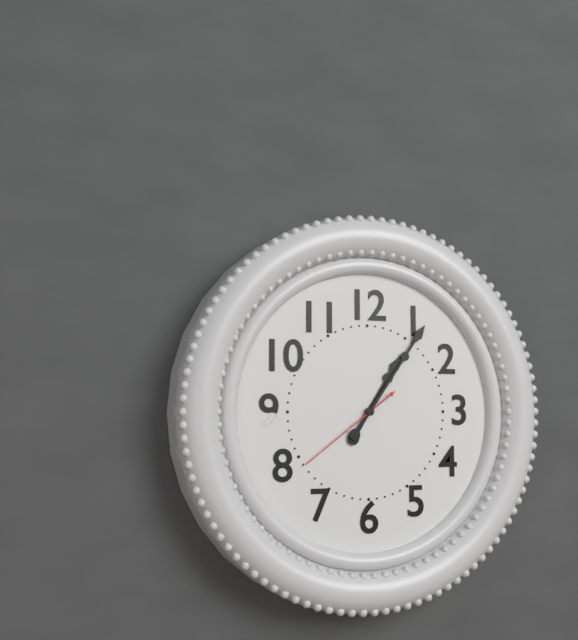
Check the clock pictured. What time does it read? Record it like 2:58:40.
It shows 1:06:39
